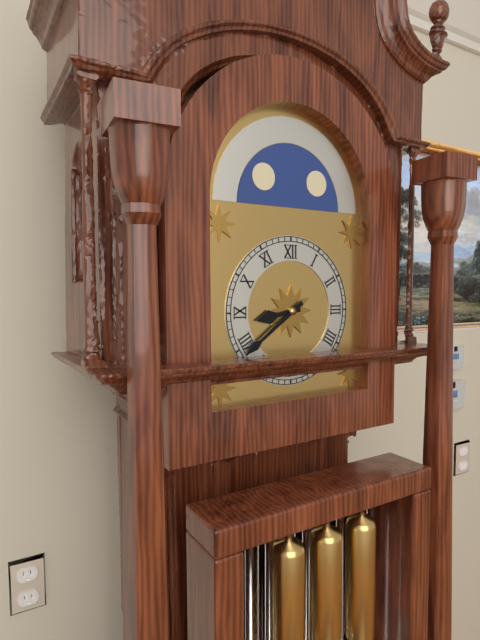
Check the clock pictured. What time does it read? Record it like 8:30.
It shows 8:39
